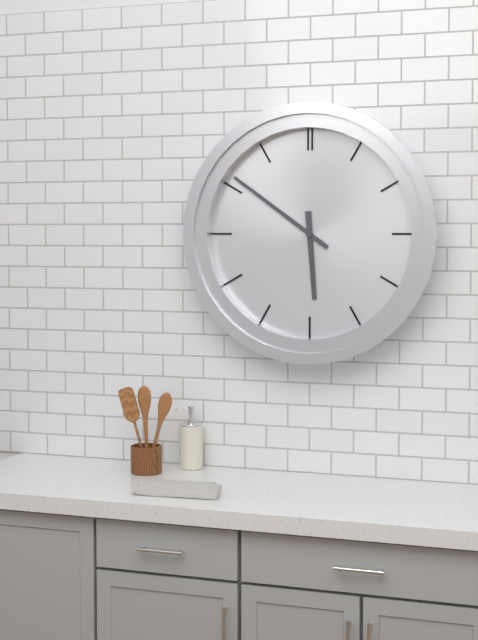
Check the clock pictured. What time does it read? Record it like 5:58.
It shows 5:51
